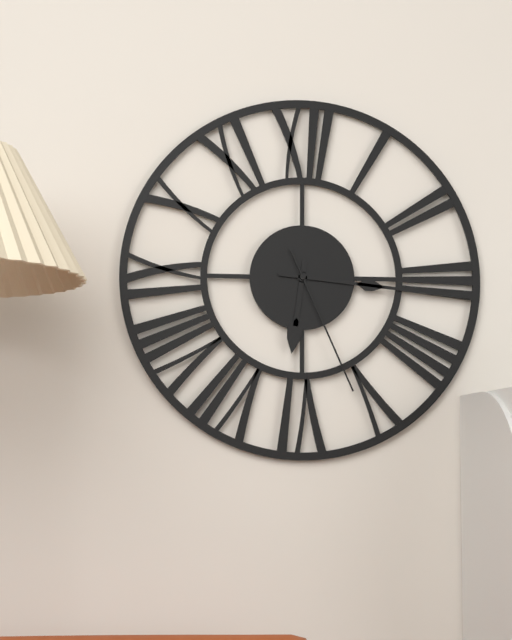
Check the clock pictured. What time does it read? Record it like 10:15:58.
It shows 6:16:26
